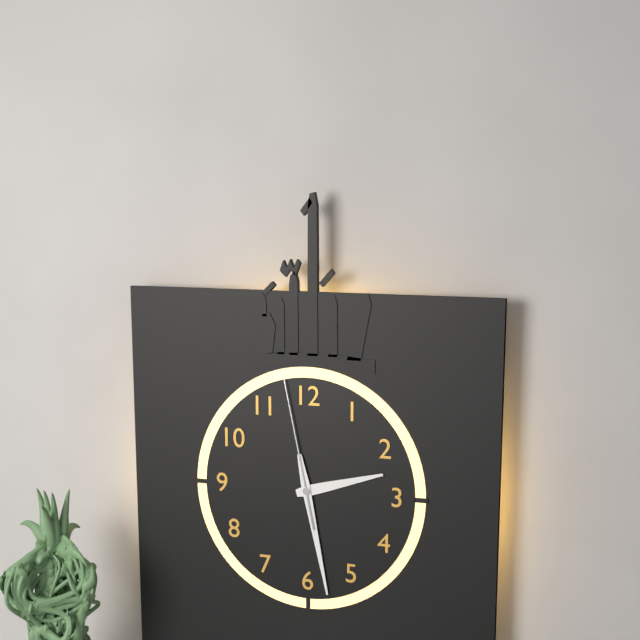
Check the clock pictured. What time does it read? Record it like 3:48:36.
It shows 2:28:58
